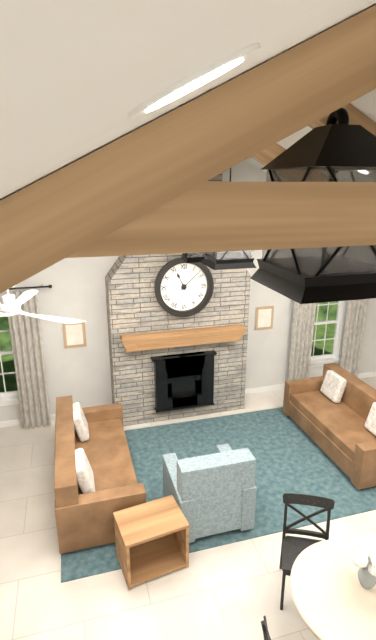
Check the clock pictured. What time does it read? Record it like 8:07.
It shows 11:08
